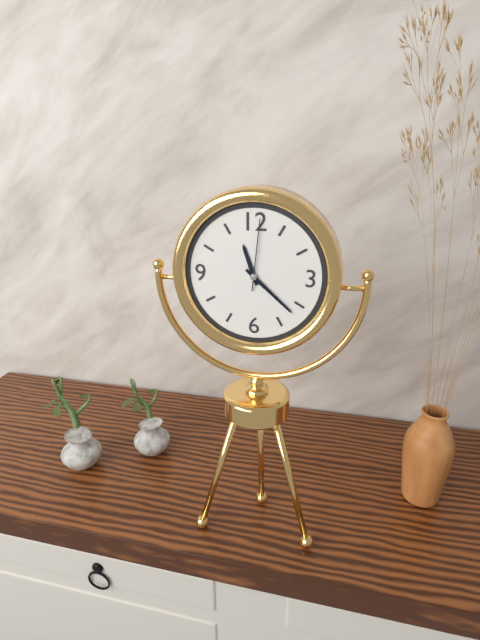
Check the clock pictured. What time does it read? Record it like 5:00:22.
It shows 11:22:01
